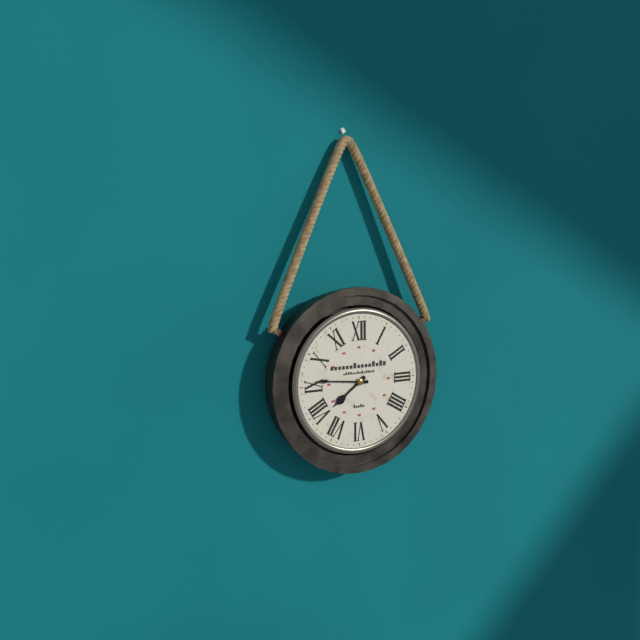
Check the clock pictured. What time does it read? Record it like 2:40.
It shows 7:46
